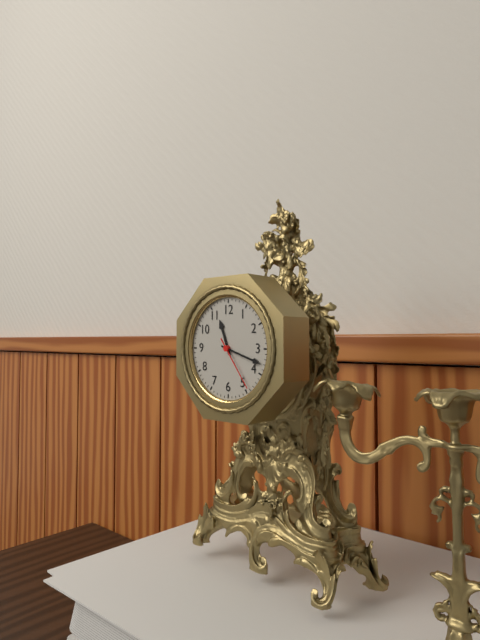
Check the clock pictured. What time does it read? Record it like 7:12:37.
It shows 11:18:24
